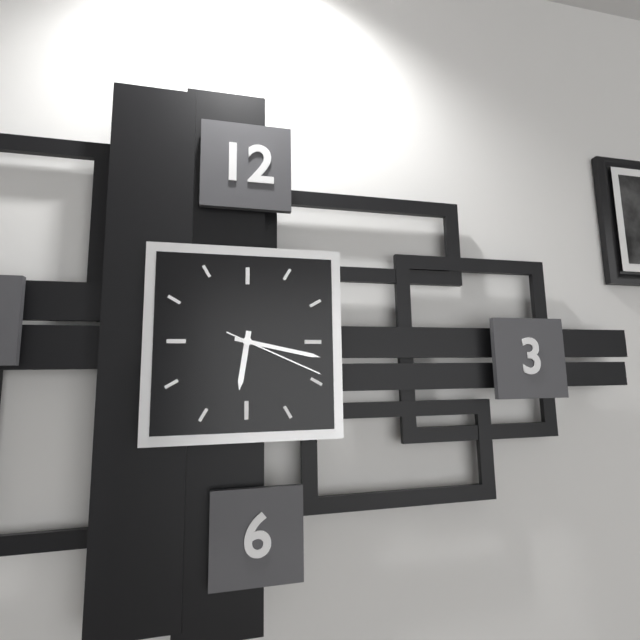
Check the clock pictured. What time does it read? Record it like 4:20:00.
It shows 6:17:19
